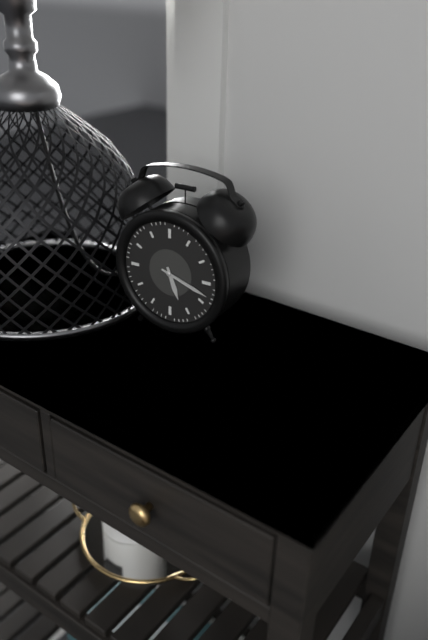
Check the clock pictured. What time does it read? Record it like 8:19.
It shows 5:18
